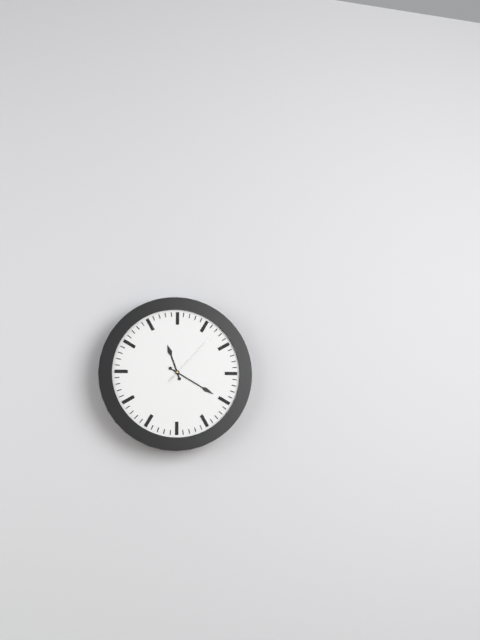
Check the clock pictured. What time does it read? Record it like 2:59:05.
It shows 11:20:07
